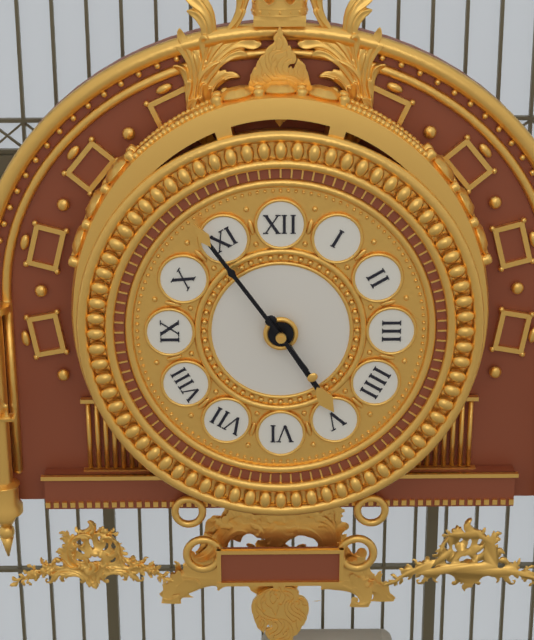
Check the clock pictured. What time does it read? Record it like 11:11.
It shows 4:54
